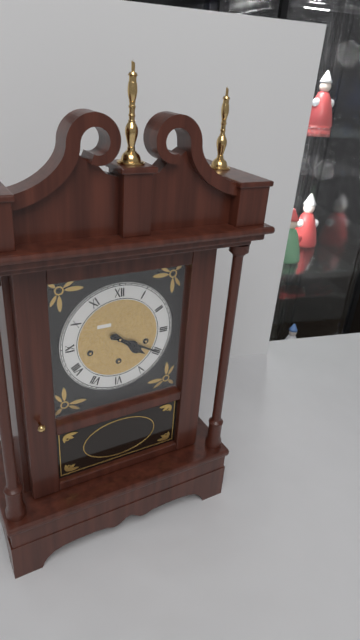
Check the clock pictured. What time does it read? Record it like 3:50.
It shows 4:20
